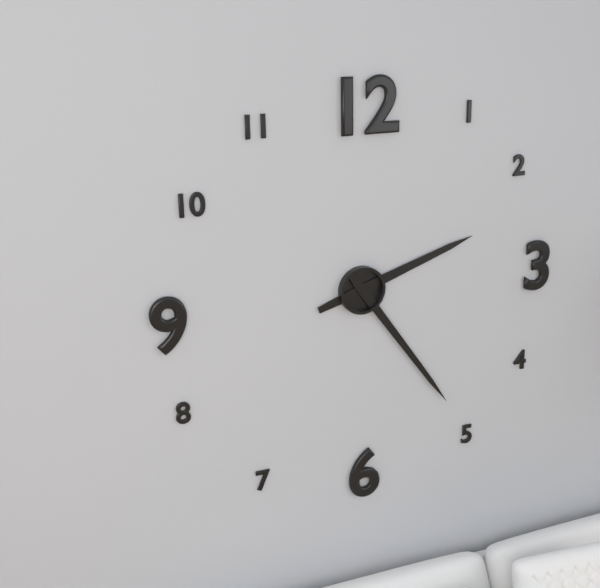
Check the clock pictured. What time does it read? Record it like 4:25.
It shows 2:24
